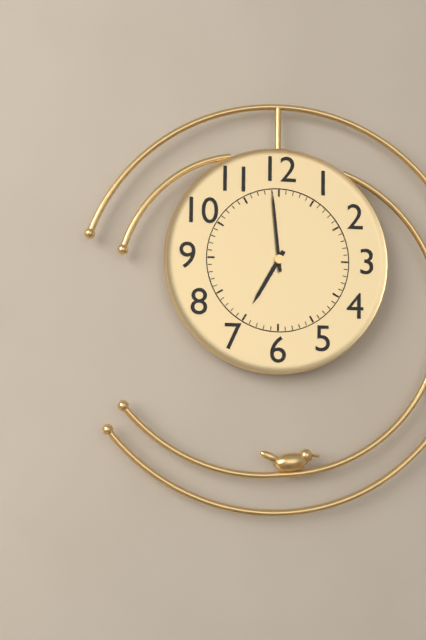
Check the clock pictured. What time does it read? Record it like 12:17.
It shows 6:59
